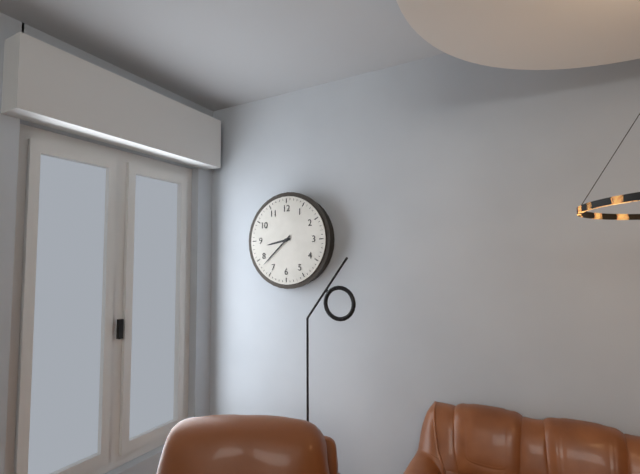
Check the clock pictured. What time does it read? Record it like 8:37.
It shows 8:38
